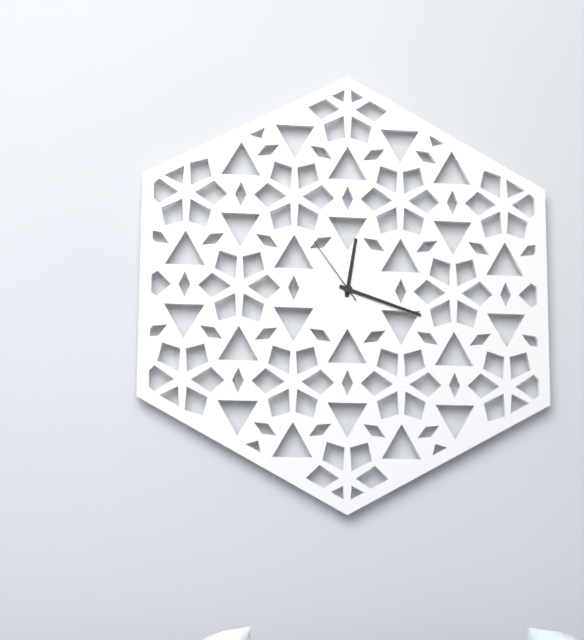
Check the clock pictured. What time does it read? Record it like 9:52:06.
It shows 12:18:54
